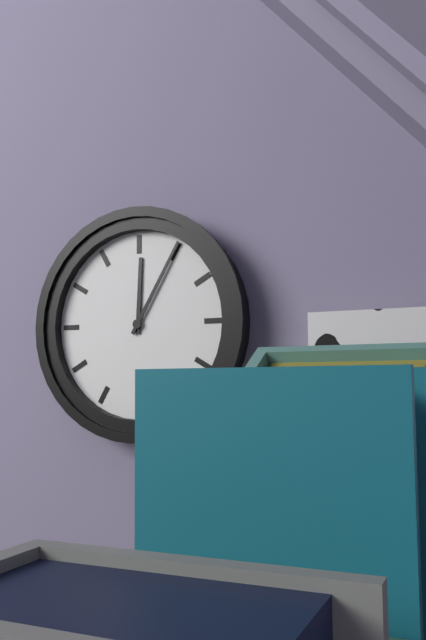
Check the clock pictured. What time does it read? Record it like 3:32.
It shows 12:05
